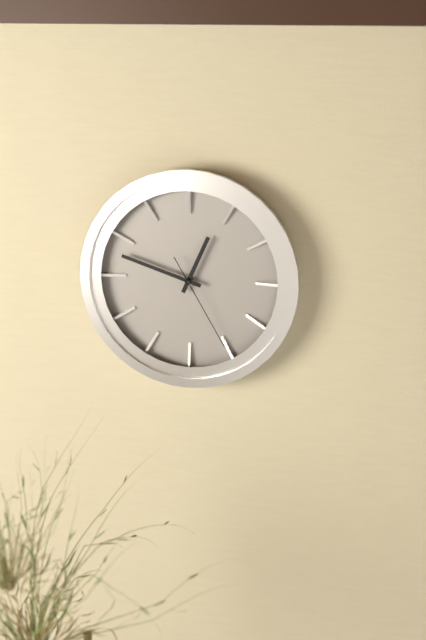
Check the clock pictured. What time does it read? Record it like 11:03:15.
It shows 12:48:25
